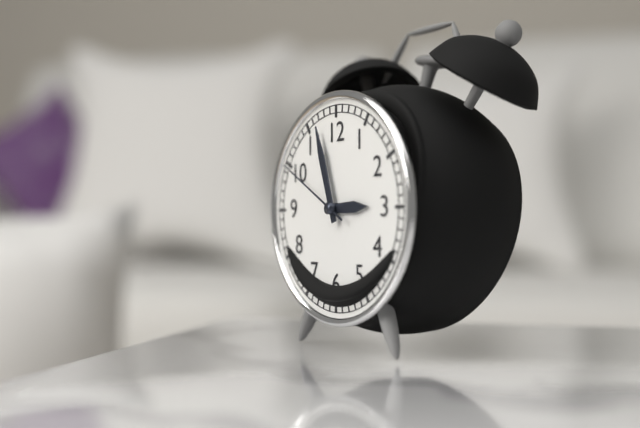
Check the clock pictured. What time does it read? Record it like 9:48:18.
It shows 2:57:50
